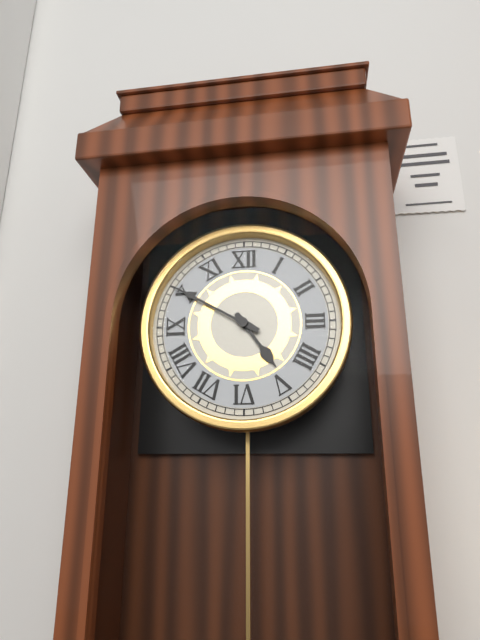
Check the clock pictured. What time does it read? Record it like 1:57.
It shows 4:50
